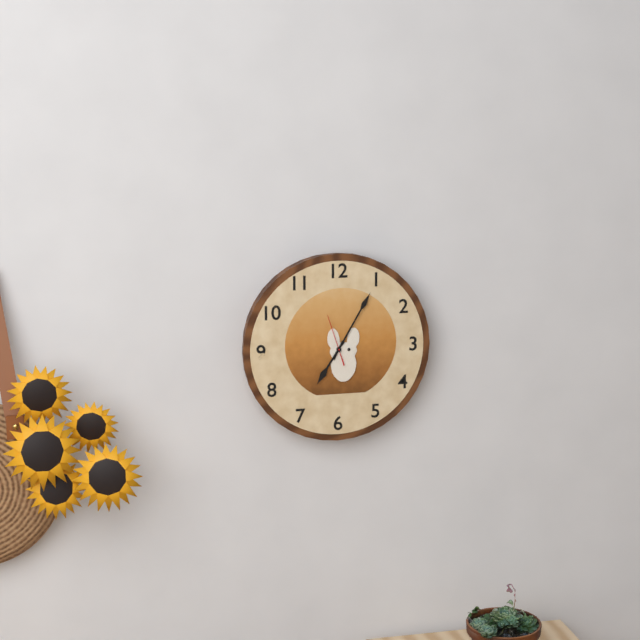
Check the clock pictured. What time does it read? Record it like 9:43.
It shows 7:05
